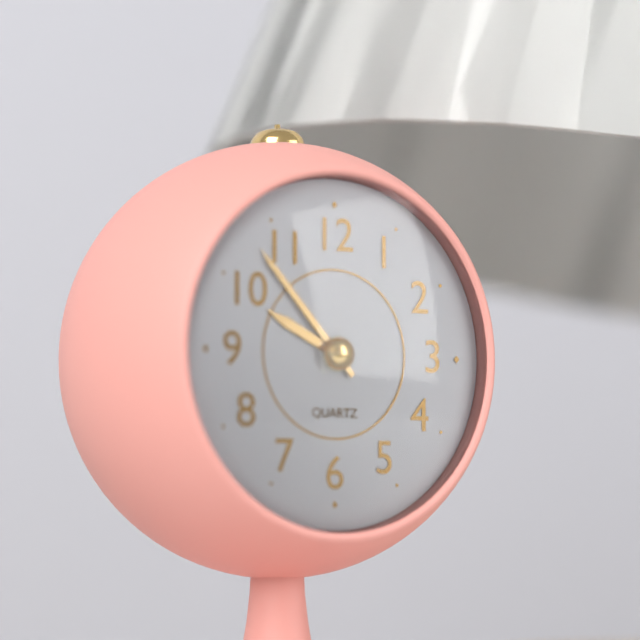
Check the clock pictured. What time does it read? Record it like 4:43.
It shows 9:53
